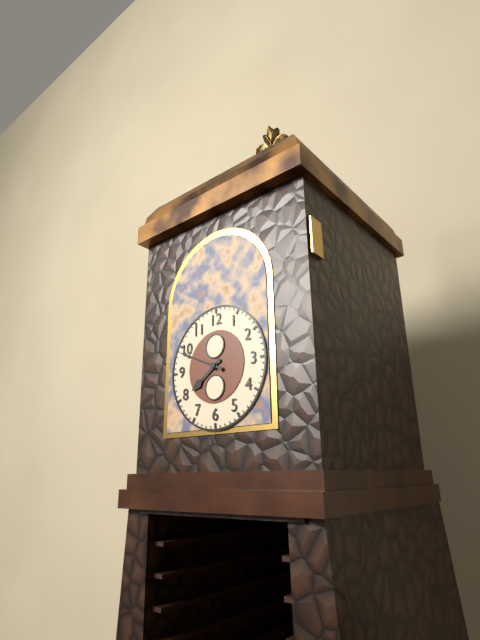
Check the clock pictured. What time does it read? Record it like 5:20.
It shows 7:49
